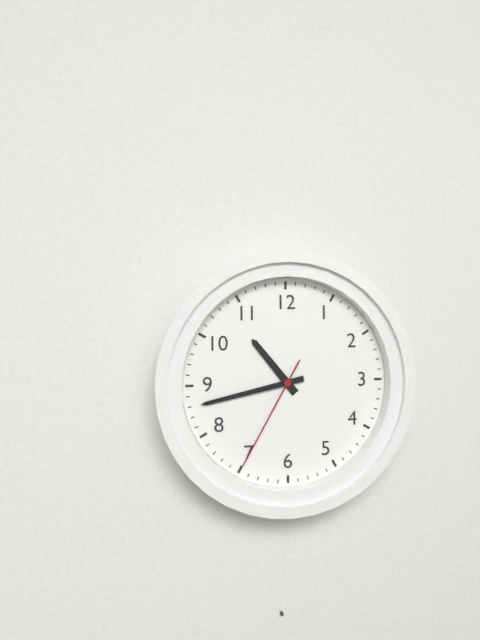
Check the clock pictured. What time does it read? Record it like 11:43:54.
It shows 10:43:35
